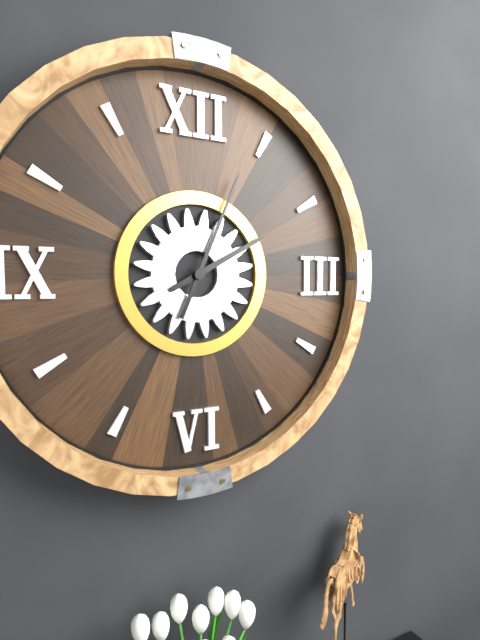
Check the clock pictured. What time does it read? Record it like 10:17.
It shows 2:04
